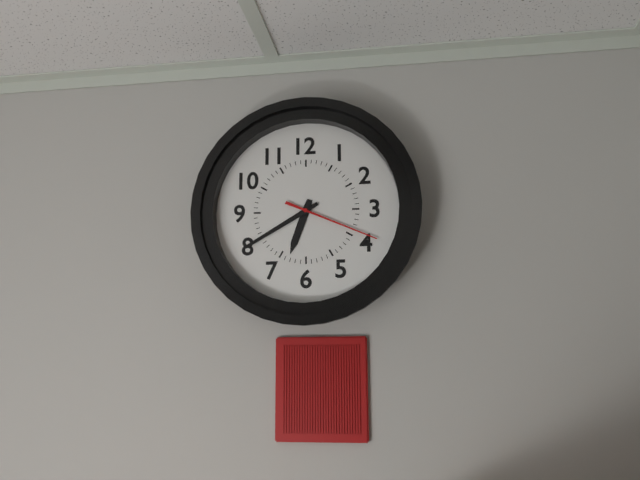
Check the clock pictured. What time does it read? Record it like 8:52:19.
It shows 6:40:19
